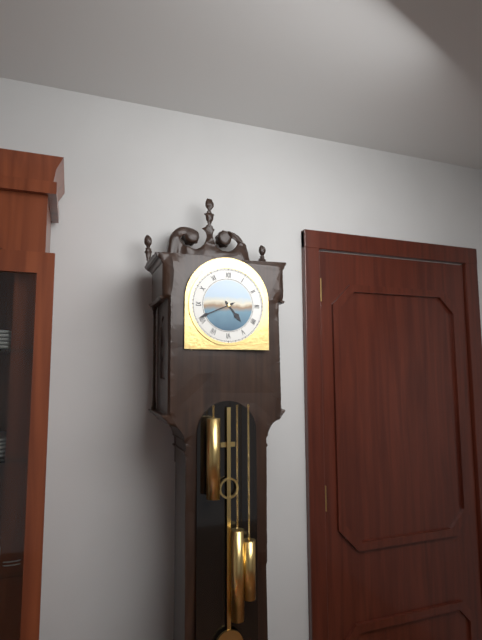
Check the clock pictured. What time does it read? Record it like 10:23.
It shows 4:41
